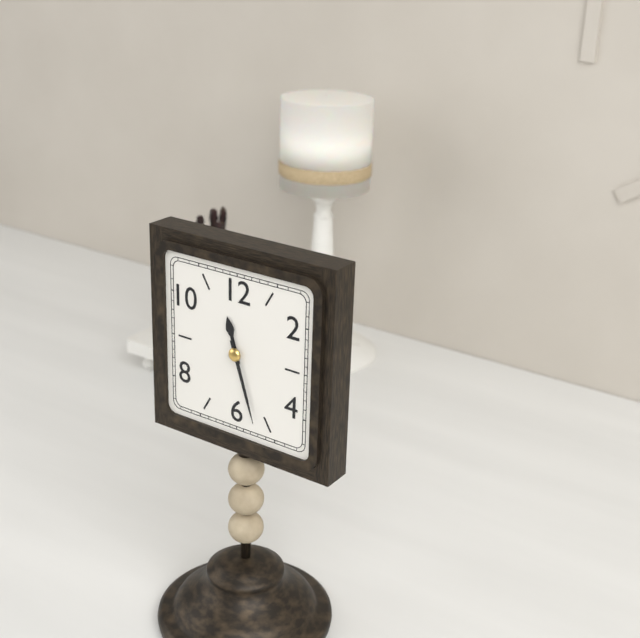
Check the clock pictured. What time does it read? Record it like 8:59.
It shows 11:27
